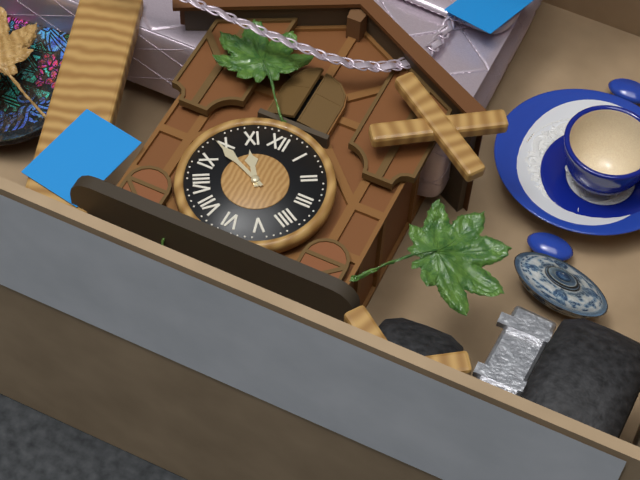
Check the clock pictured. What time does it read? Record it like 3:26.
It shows 10:49
